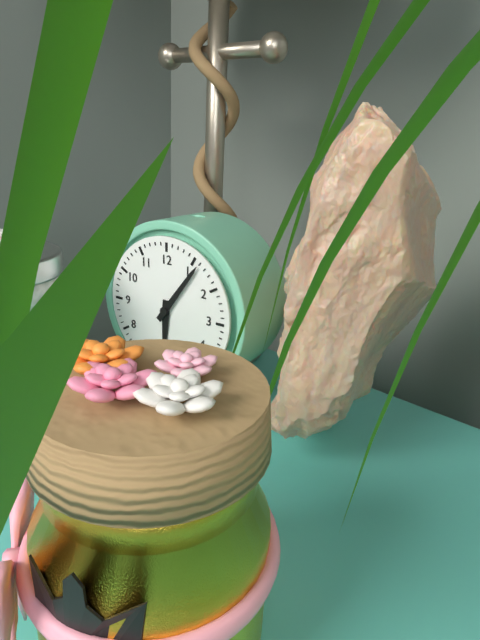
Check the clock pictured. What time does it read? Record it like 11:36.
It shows 6:06
